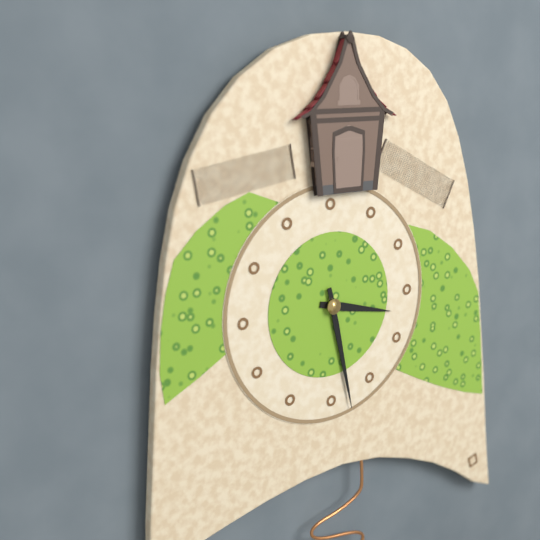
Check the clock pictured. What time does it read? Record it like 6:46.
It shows 3:28
